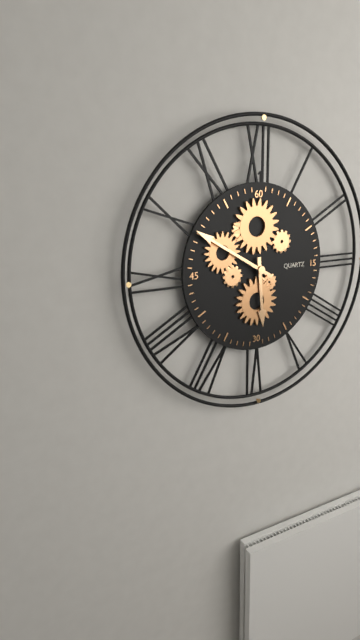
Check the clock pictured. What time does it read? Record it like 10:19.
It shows 5:50
